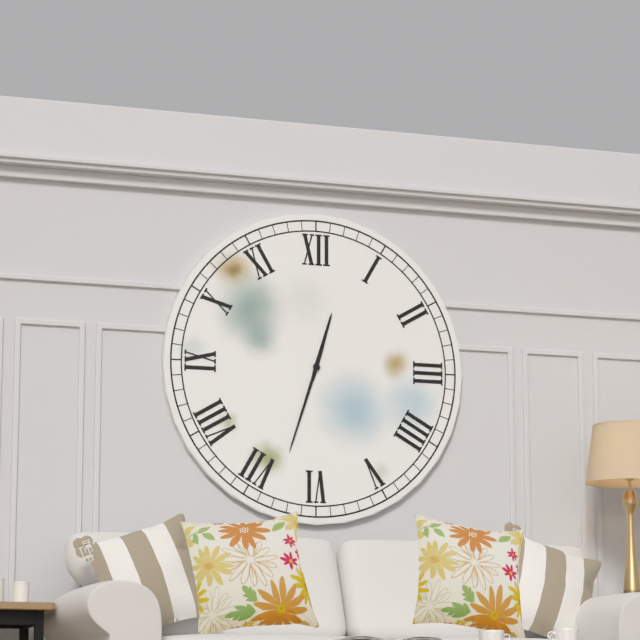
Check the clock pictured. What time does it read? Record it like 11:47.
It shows 12:33
